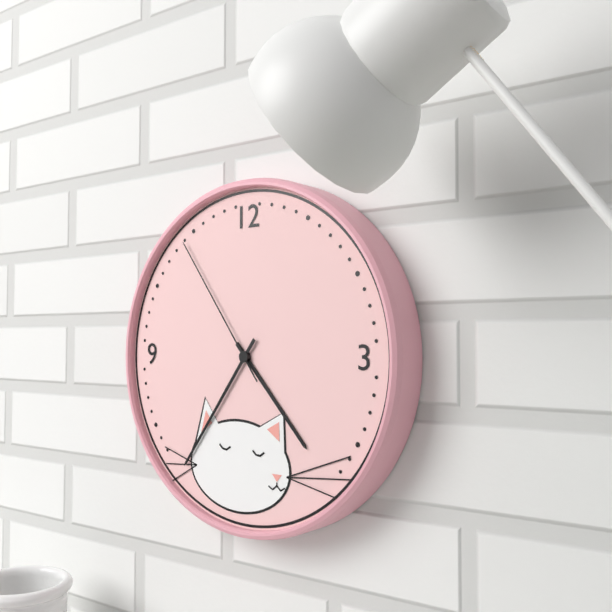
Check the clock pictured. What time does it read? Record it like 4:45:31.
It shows 4:36:54
